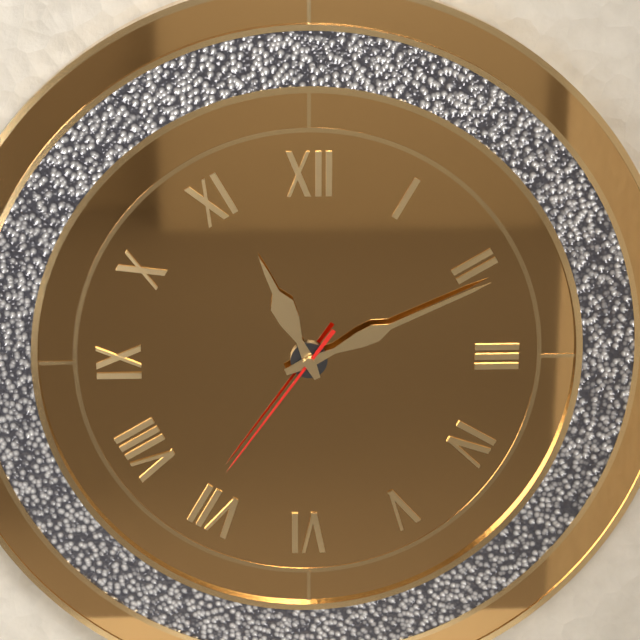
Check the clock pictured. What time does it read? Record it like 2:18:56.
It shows 11:11:36
